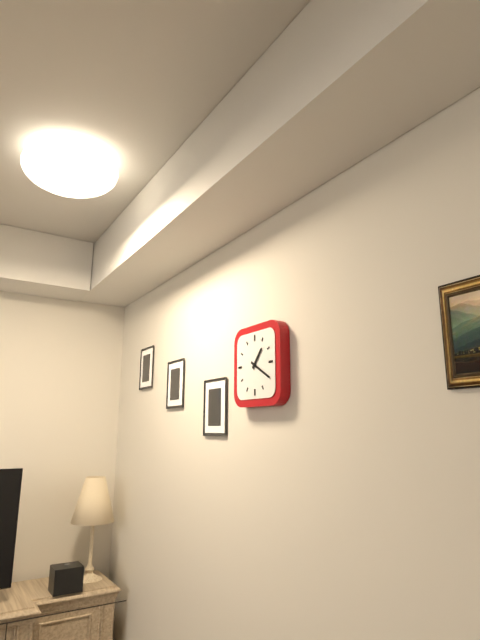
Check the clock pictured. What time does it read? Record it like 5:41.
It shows 1:20
